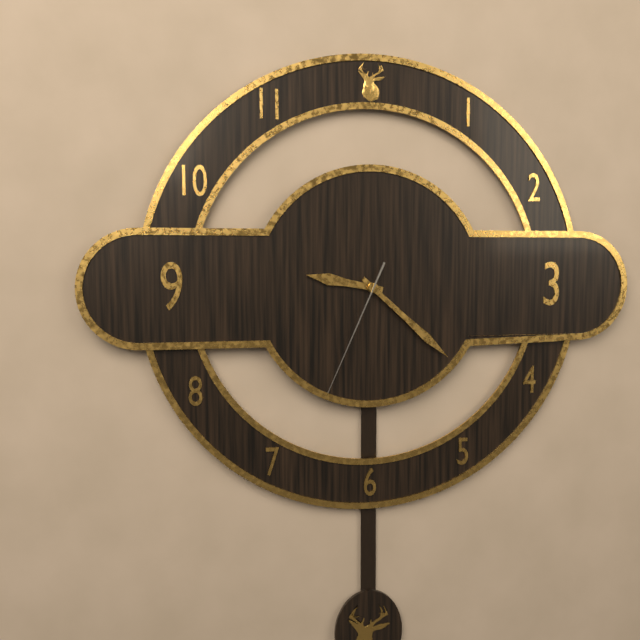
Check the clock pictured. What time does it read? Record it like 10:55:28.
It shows 9:22:34
